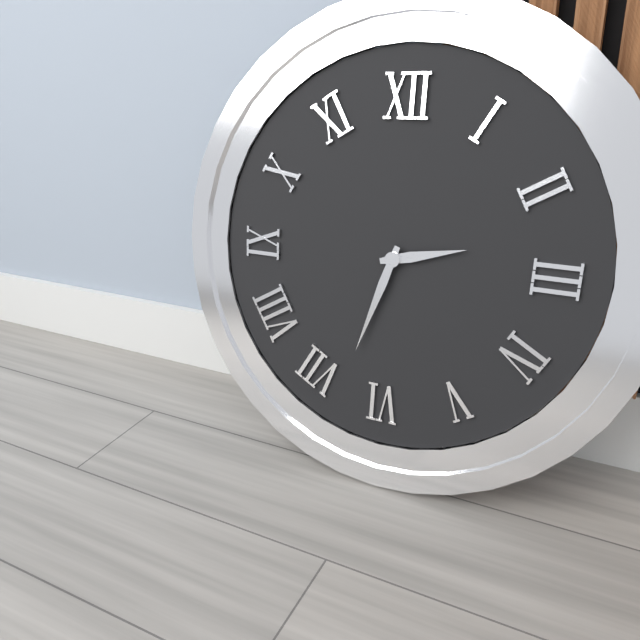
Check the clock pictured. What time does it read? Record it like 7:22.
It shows 2:33
